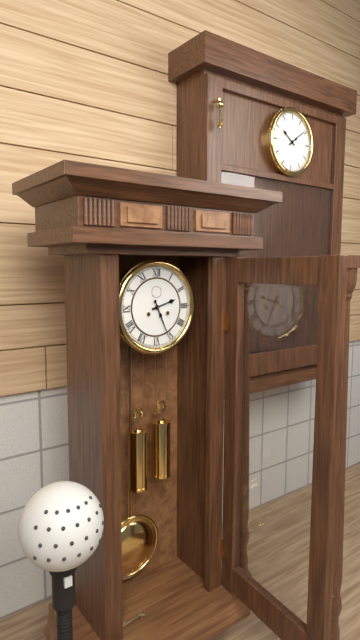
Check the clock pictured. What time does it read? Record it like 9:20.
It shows 2:26
